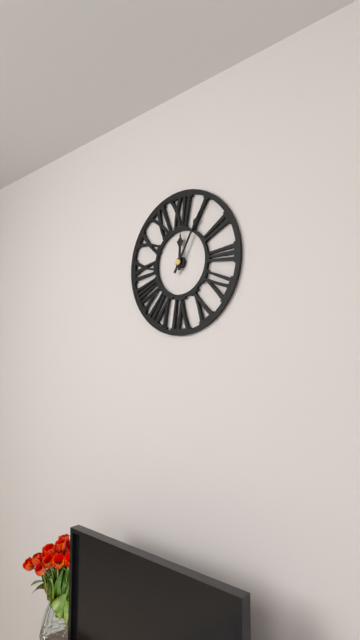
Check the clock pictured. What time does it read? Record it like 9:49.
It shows 12:05
